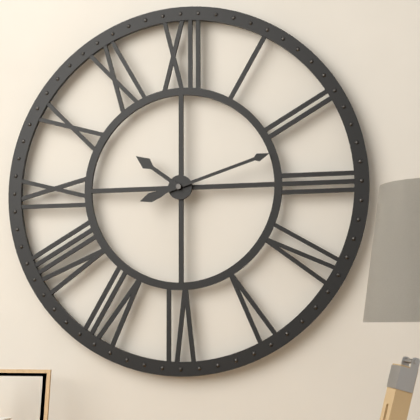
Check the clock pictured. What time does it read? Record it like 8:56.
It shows 10:12
